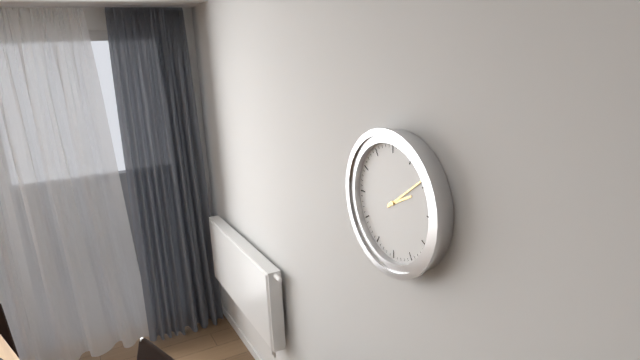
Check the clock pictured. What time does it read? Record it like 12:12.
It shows 2:09
